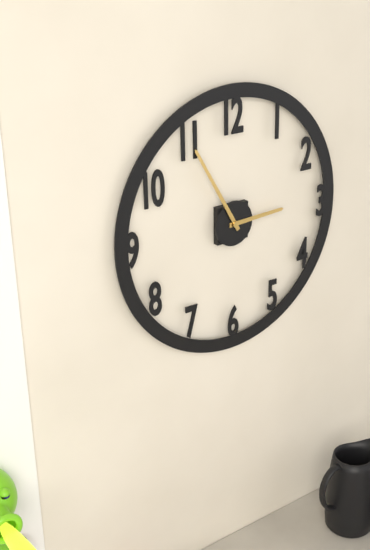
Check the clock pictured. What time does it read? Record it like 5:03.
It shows 2:55
